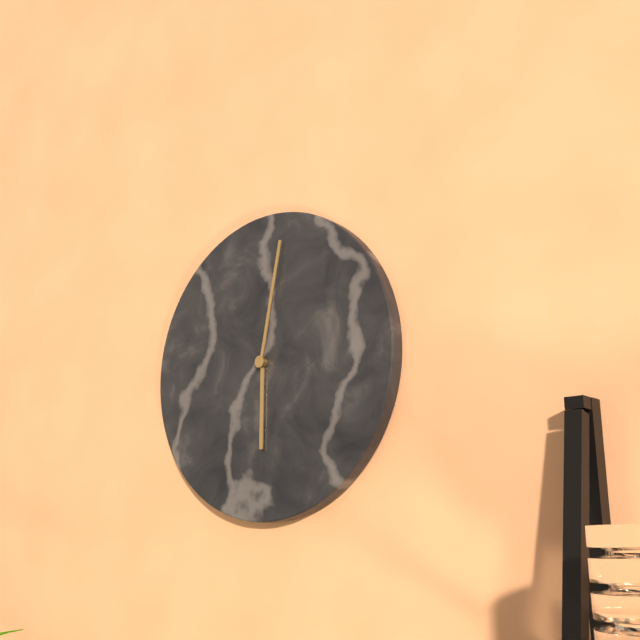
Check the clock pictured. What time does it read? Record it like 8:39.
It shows 6:02
